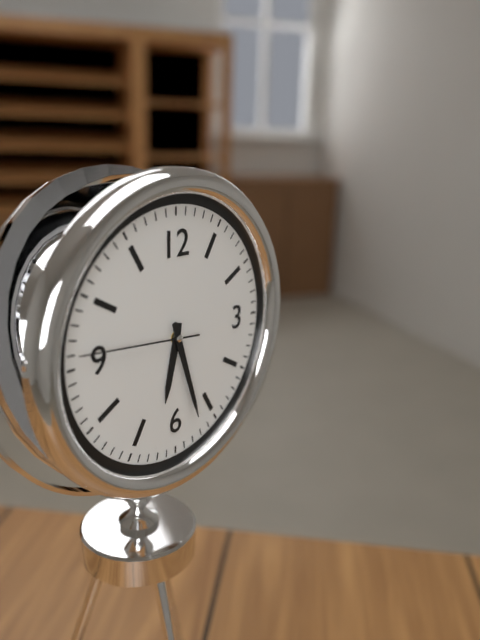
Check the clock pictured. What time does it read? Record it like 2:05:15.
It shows 6:27:46
